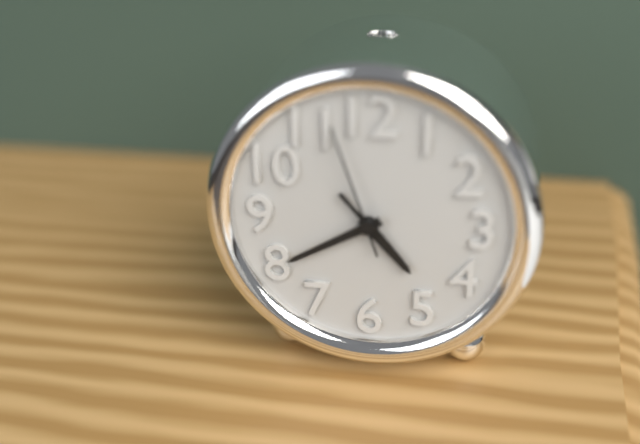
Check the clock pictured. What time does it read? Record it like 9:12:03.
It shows 4:40:57
